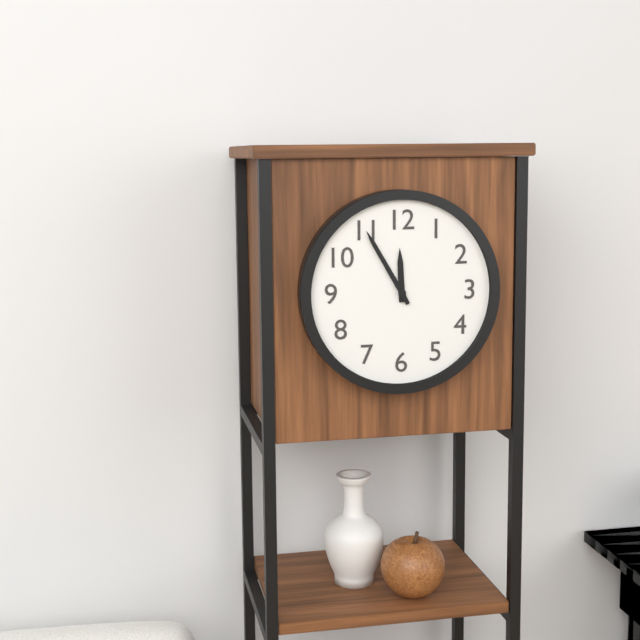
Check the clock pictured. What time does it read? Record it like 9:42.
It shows 11:55
